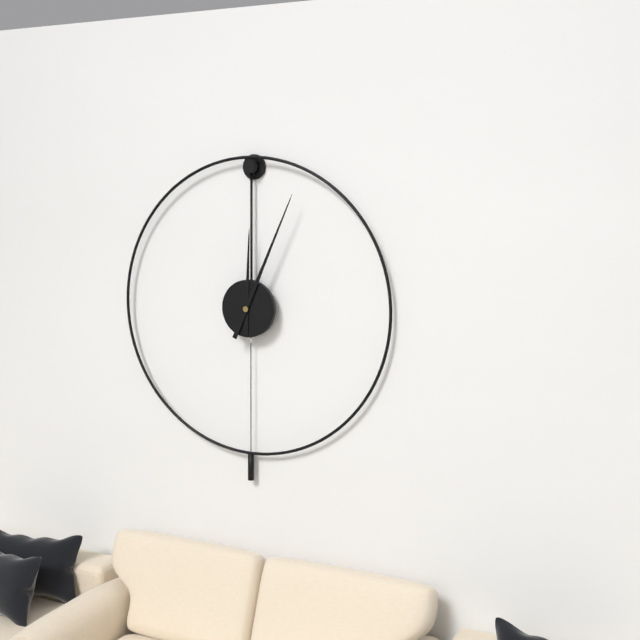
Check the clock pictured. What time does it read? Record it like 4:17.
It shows 12:04
